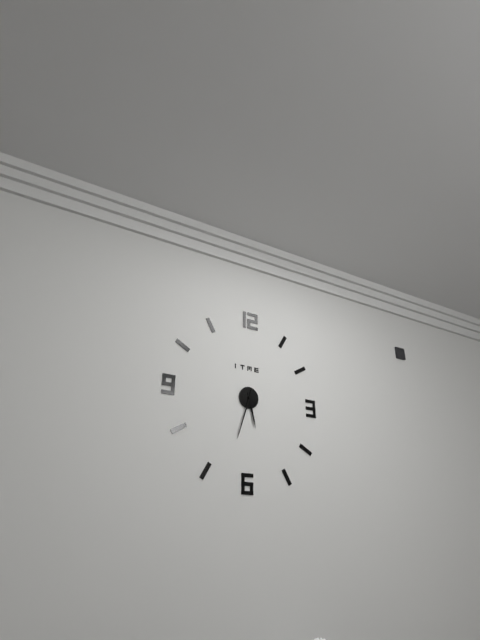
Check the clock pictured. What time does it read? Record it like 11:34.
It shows 5:33
